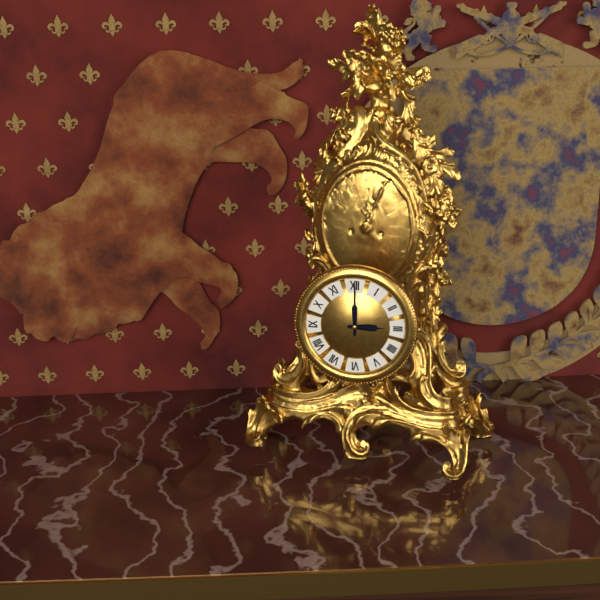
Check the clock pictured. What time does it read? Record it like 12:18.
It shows 3:00
